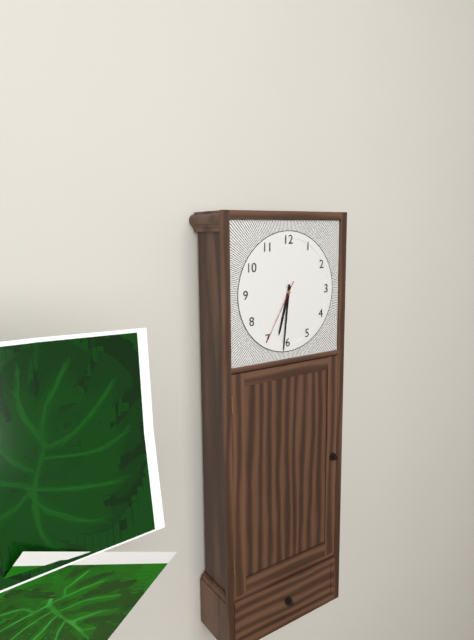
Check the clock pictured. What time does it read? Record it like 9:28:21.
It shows 6:31:35
